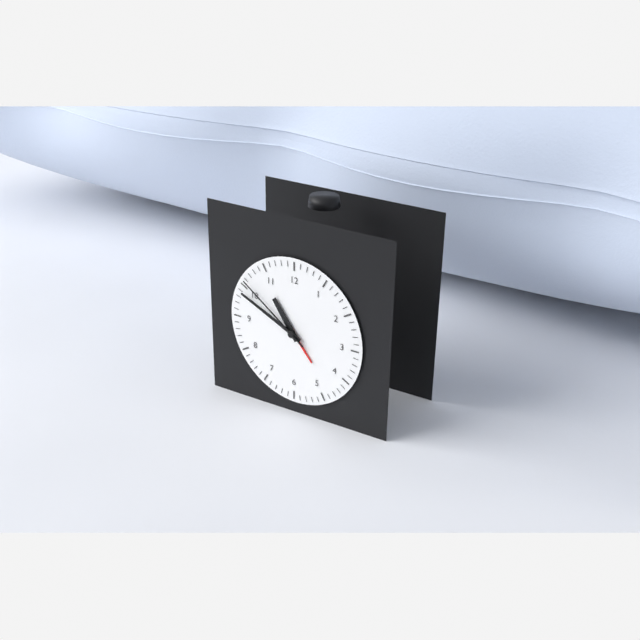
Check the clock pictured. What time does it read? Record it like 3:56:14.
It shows 10:49:51
